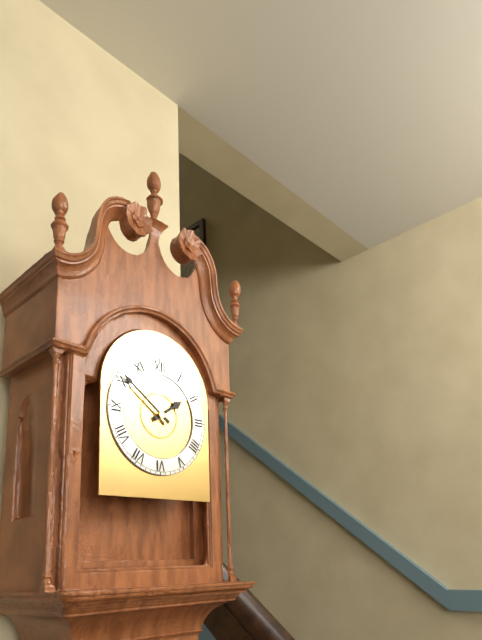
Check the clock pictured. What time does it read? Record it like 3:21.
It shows 1:51
